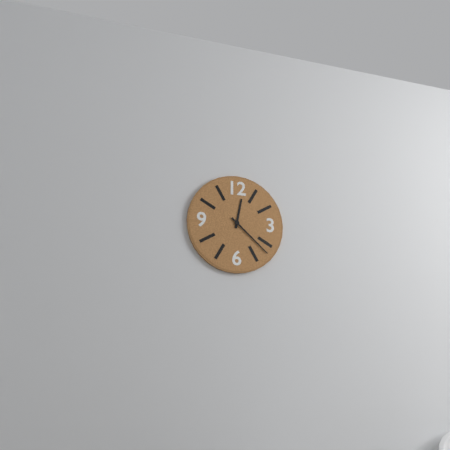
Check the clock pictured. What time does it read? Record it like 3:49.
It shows 12:22
